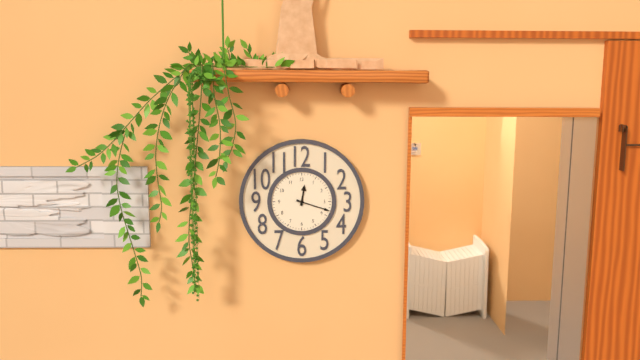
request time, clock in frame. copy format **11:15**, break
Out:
**12:18**
